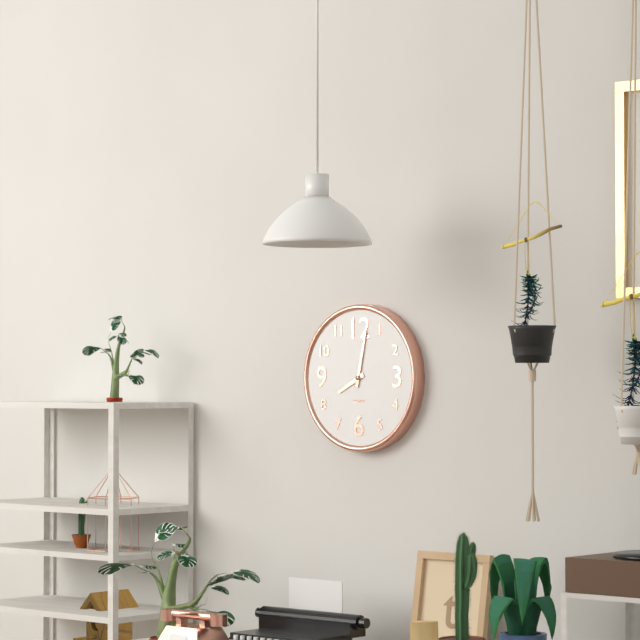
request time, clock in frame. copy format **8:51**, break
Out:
**8:02**
